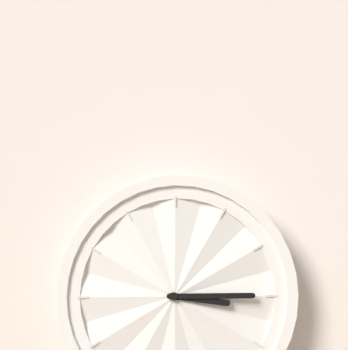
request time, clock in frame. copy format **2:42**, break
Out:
**3:15**
